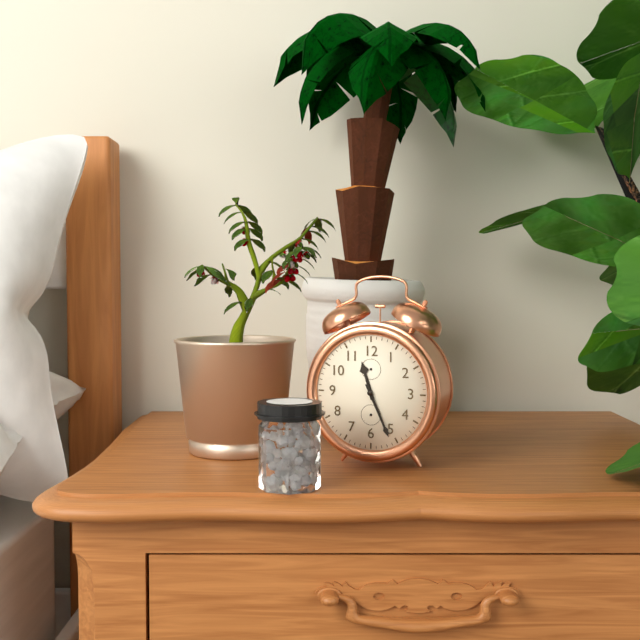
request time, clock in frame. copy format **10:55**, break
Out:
**11:26**
